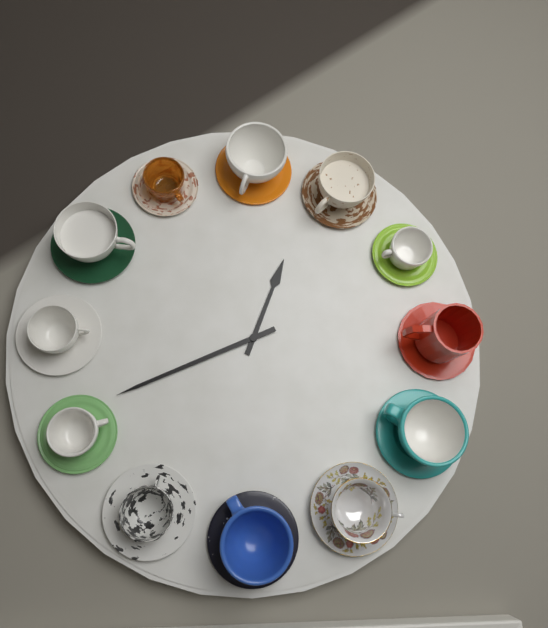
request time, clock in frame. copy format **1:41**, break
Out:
**12:41**
